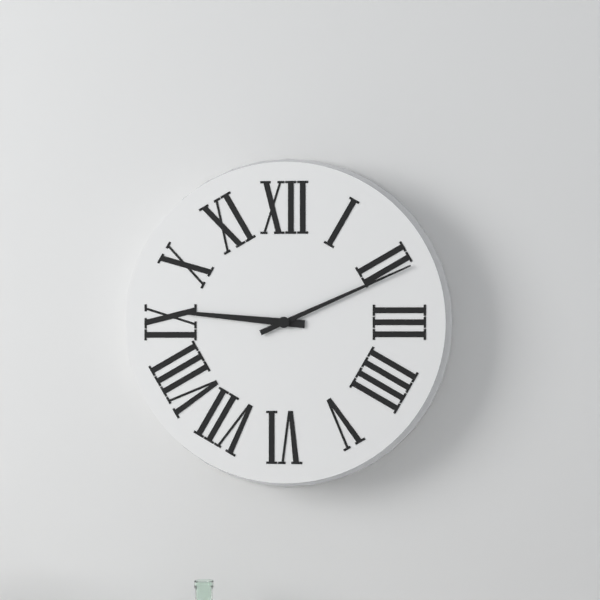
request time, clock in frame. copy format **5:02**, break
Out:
**9:11**
